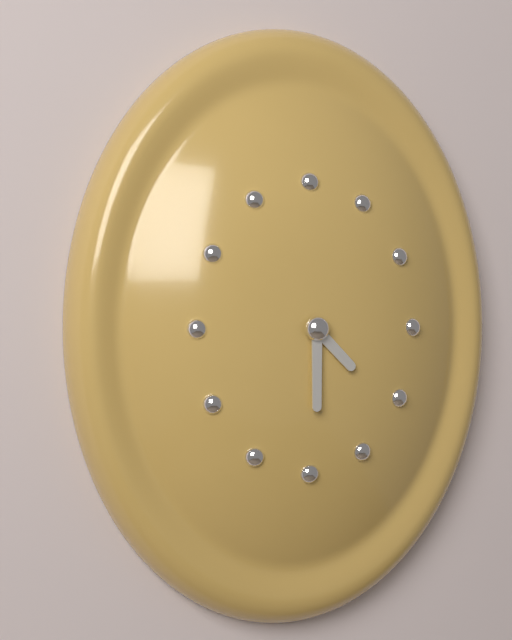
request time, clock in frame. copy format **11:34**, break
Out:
**4:30**
